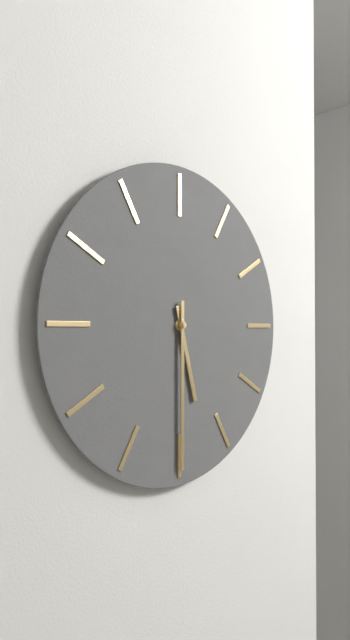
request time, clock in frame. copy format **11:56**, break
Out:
**5:30**
